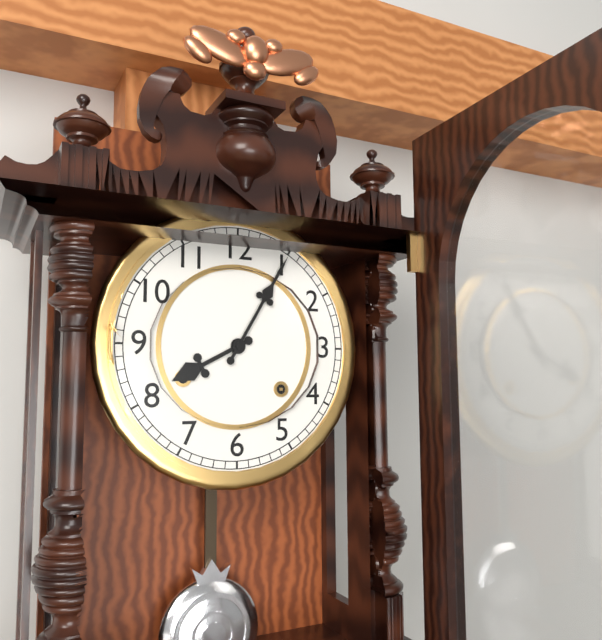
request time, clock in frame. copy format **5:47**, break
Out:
**8:05**
